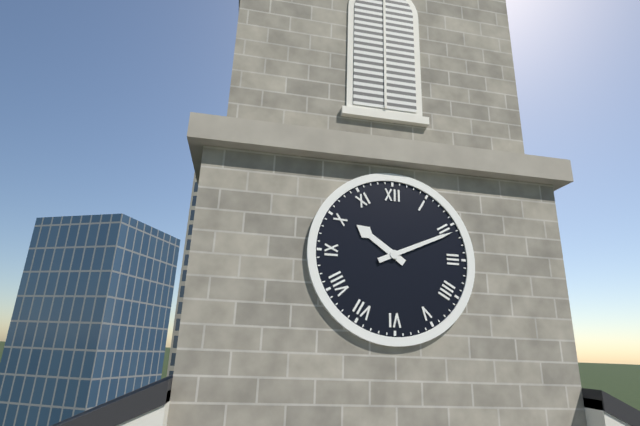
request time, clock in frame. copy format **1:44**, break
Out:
**10:11**
